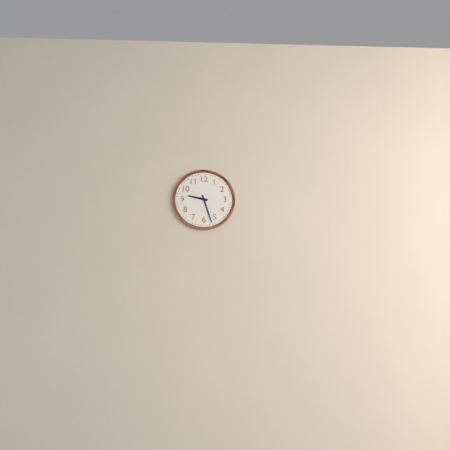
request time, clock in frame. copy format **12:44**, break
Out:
**9:27**
